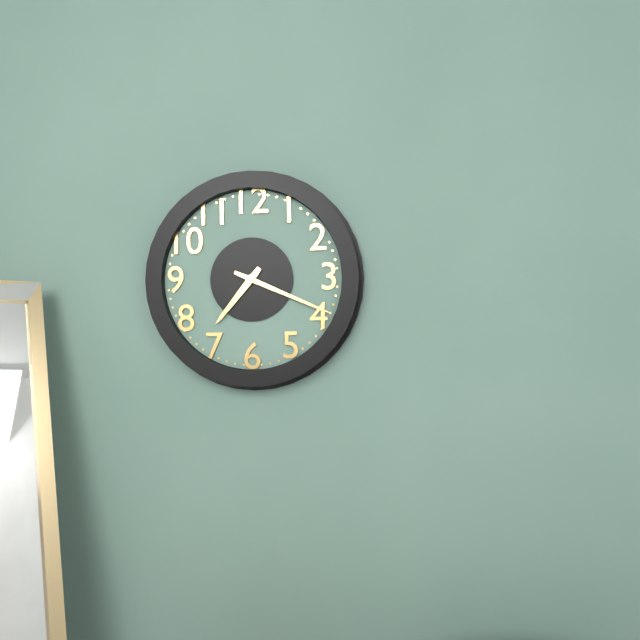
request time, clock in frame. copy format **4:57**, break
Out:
**7:19**
